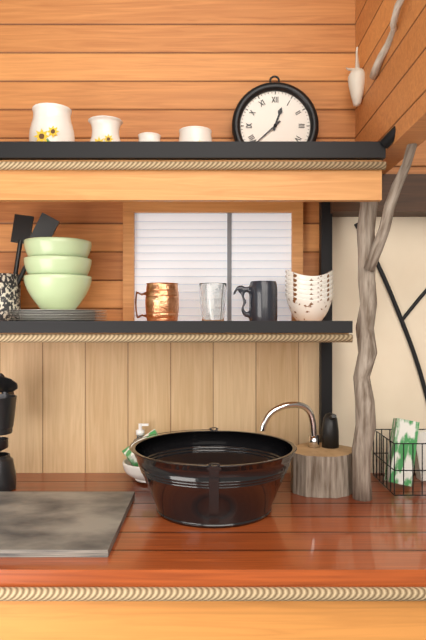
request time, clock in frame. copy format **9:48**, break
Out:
**12:38**
